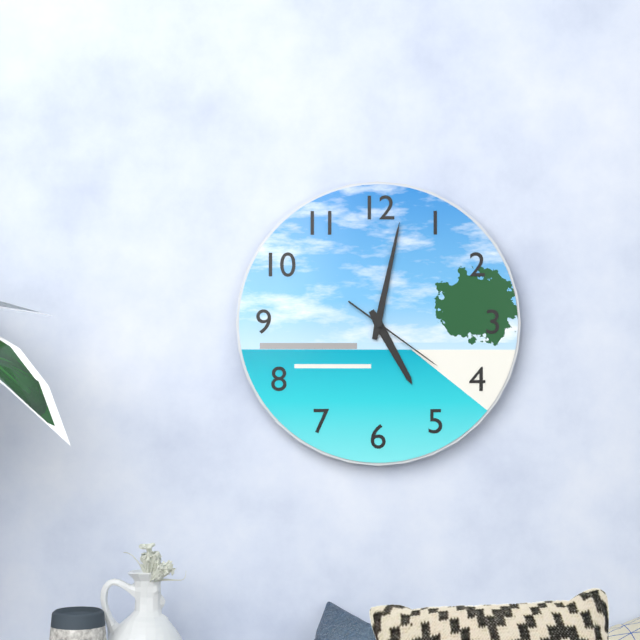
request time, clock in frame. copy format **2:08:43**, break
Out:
**5:02:21**
